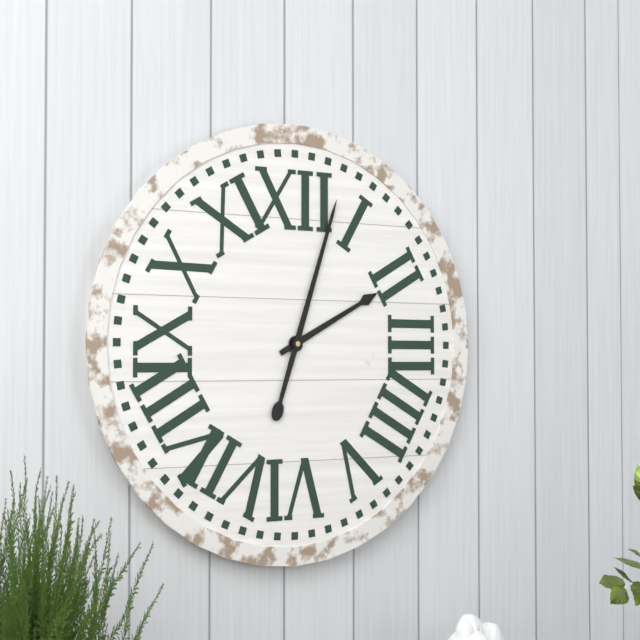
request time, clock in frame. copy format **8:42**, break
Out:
**2:03**
